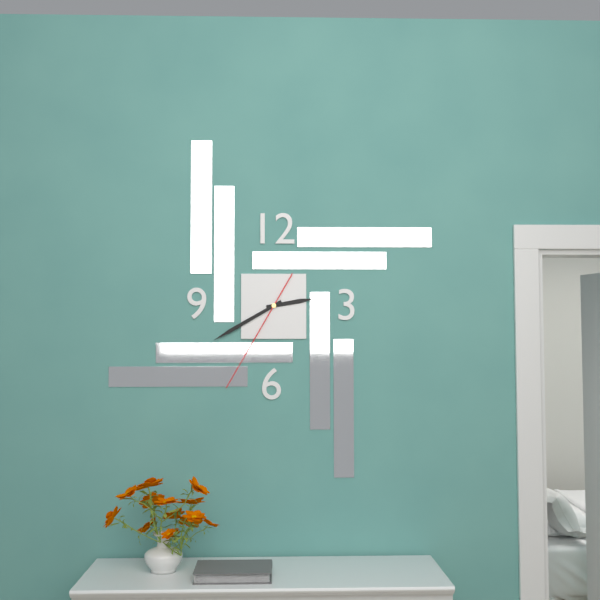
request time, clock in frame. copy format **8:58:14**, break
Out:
**2:40:35**
